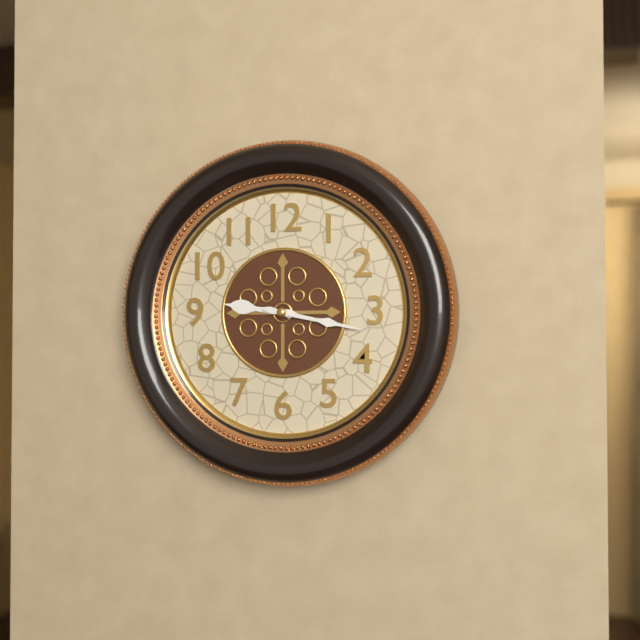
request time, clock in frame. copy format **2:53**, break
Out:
**9:17**
